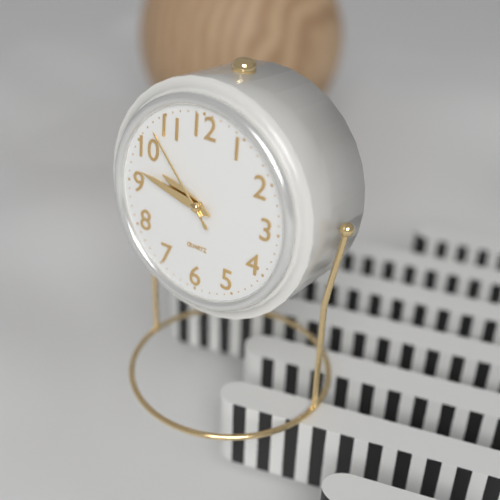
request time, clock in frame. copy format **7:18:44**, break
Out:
**9:47:53**
